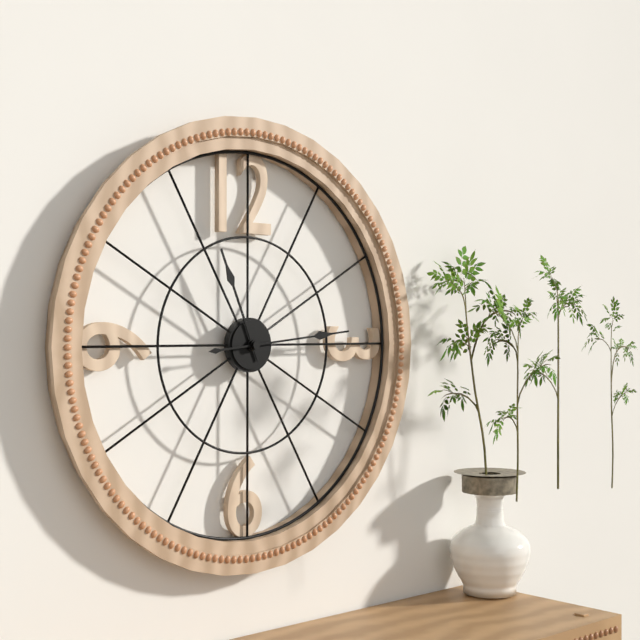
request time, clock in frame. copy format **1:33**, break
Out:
**11:14**
